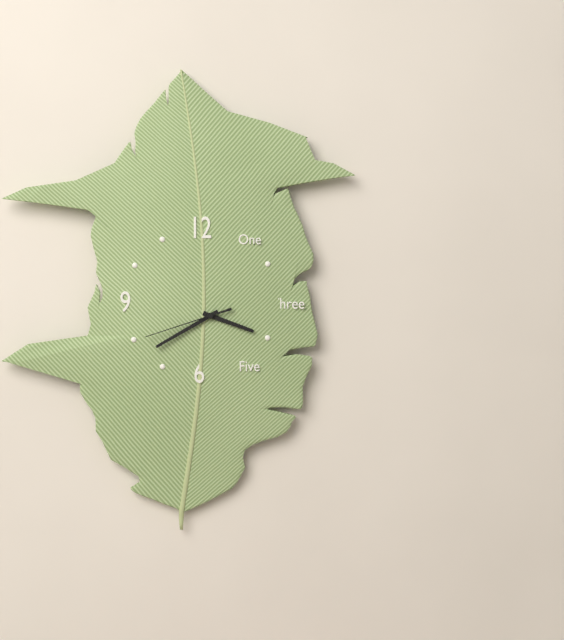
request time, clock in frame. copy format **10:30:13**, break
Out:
**3:40:42**
